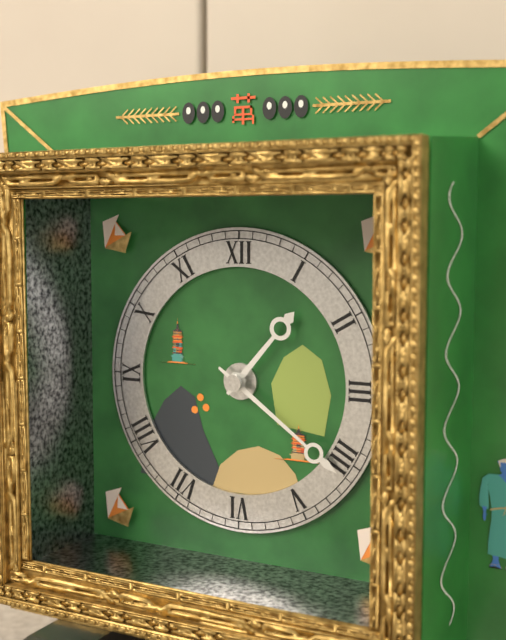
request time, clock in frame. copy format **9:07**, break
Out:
**1:21**
